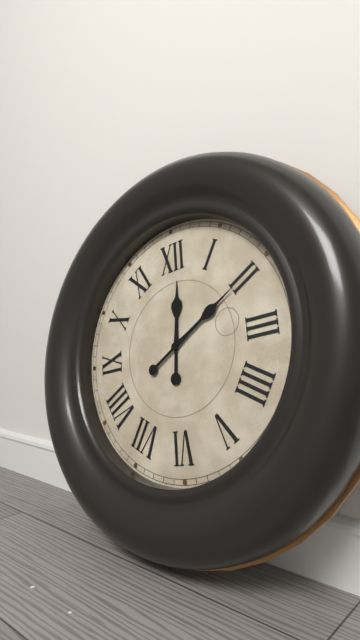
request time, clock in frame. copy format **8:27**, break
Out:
**12:10**
